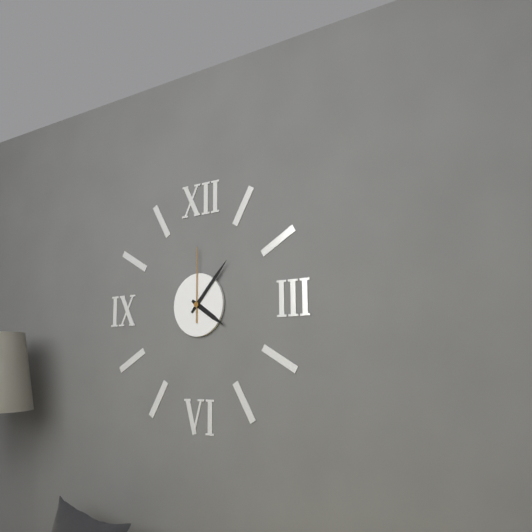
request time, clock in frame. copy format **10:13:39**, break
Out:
**4:07:00**
